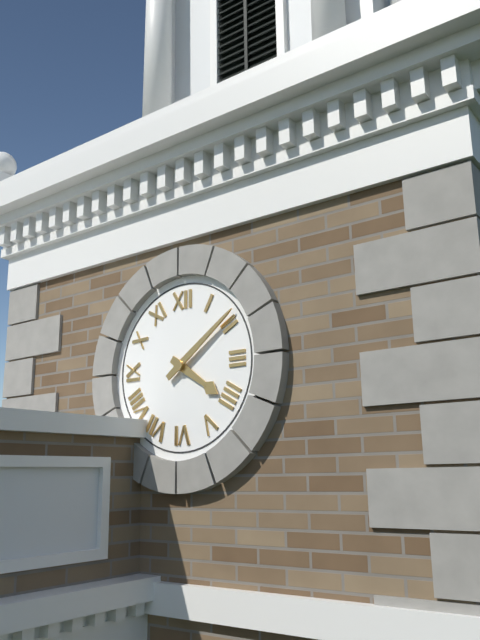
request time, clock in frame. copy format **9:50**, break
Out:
**4:09**
